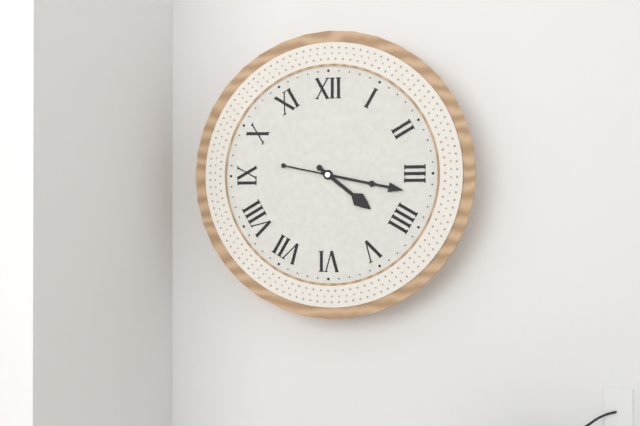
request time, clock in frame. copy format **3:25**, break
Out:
**4:17**
